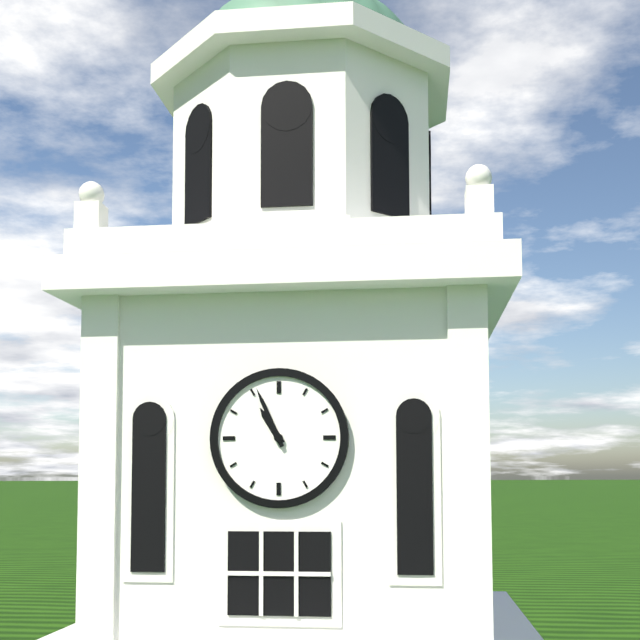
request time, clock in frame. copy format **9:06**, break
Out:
**10:56**
